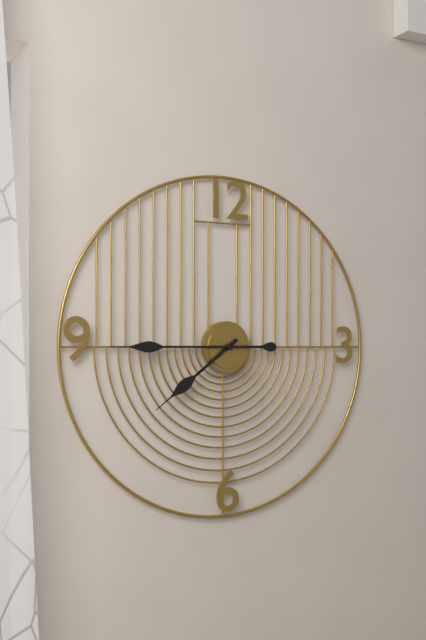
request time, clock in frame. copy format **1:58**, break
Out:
**7:45**
